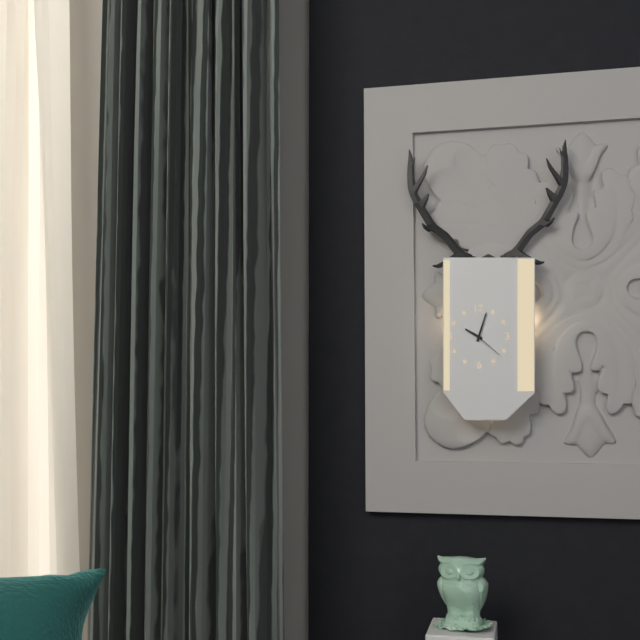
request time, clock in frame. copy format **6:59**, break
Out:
**10:03**
